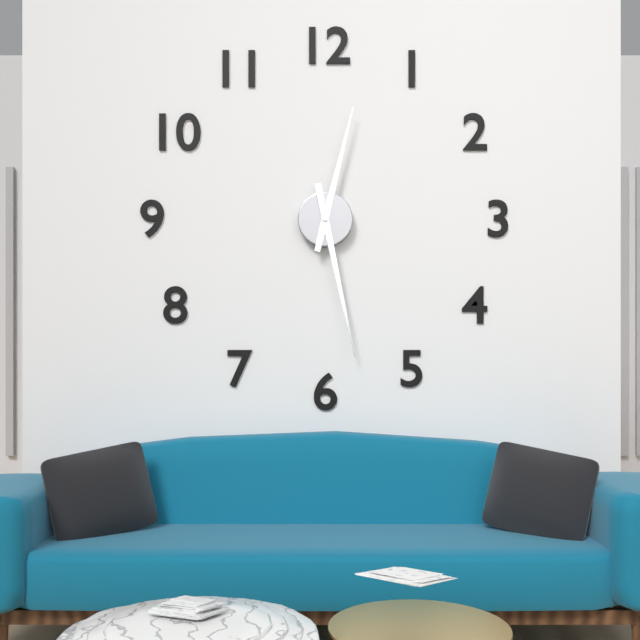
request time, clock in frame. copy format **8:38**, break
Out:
**12:28**
